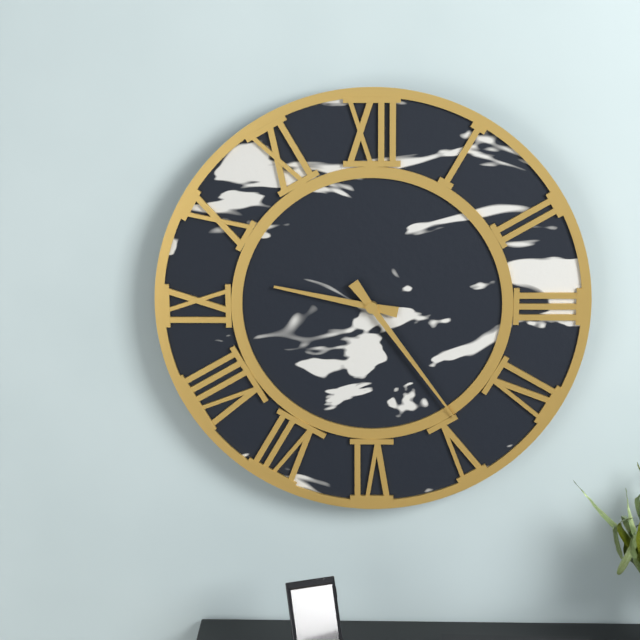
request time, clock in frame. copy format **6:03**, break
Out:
**9:24**
